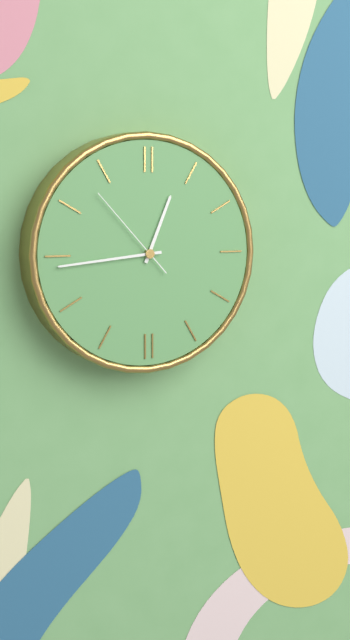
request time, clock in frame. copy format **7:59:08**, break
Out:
**12:44:53**
